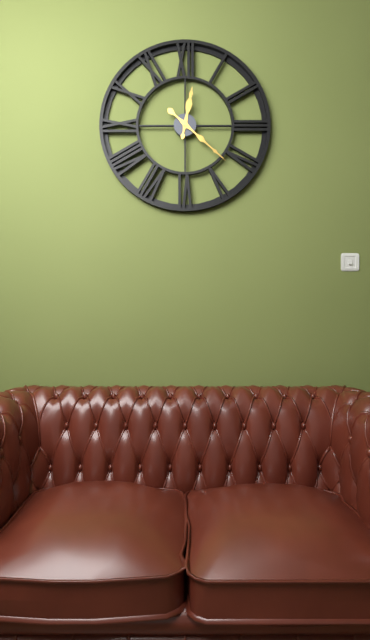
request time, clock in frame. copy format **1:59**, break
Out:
**12:22**
